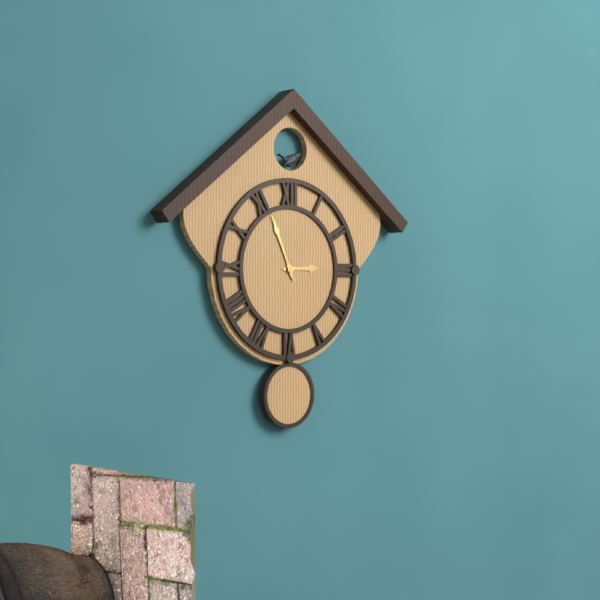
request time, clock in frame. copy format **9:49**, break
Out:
**2:56**
